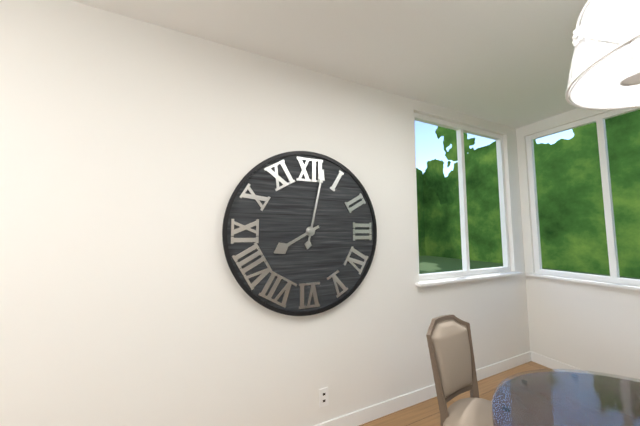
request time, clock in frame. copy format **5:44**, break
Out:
**8:02**
